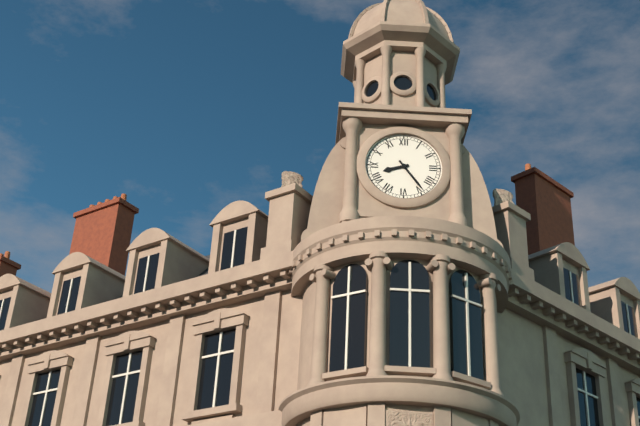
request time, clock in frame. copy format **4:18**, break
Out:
**8:24**
